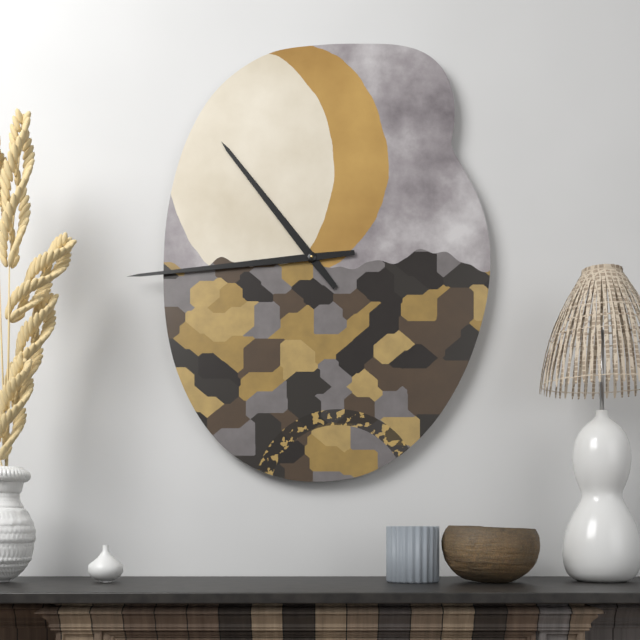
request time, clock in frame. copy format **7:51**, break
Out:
**10:44**
